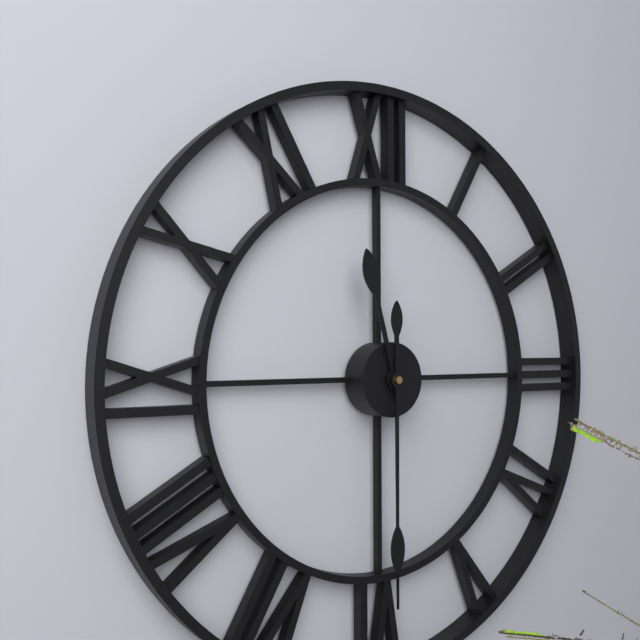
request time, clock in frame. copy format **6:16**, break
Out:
**11:30**
